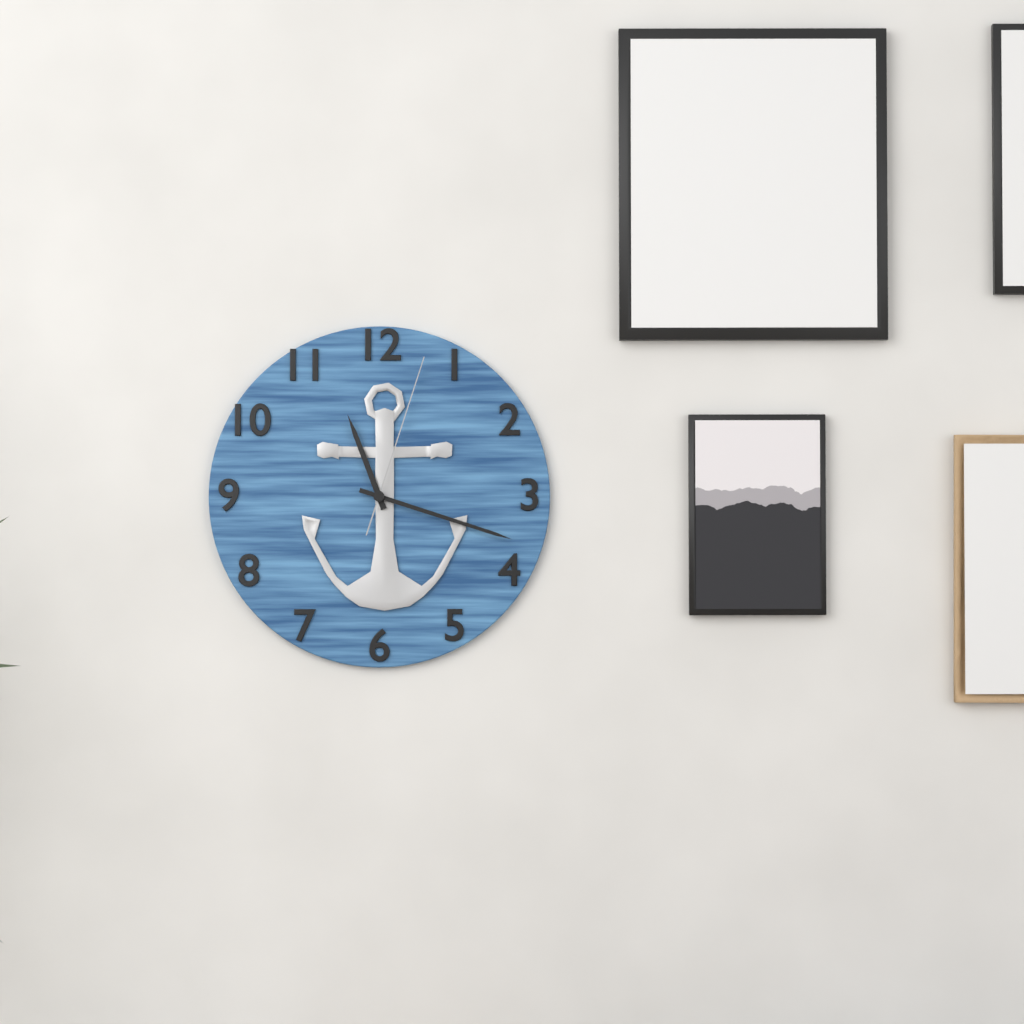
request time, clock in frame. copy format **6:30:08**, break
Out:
**11:18:03**
